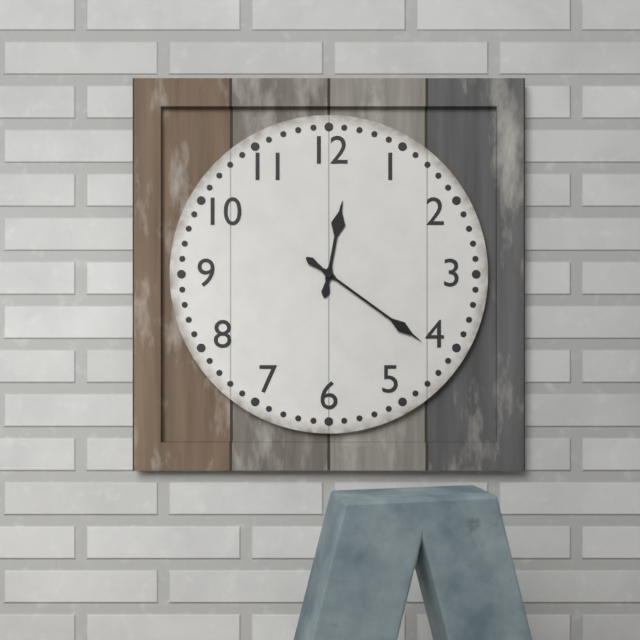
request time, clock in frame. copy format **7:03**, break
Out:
**12:21**
